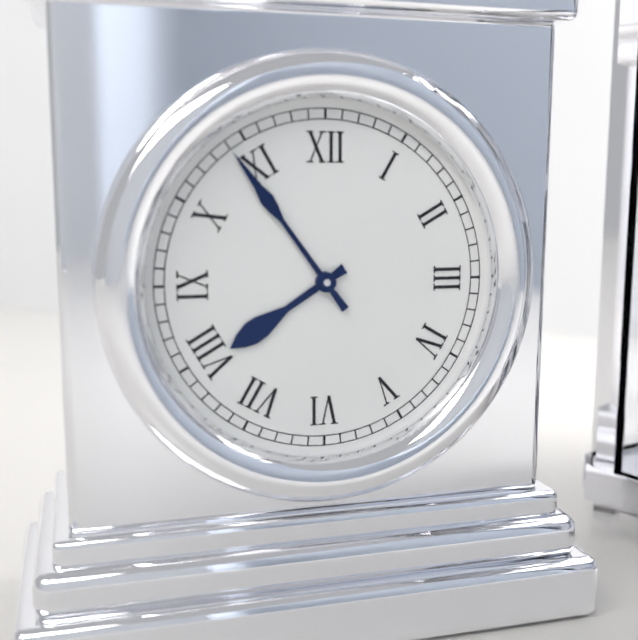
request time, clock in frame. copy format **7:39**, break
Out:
**7:54**
